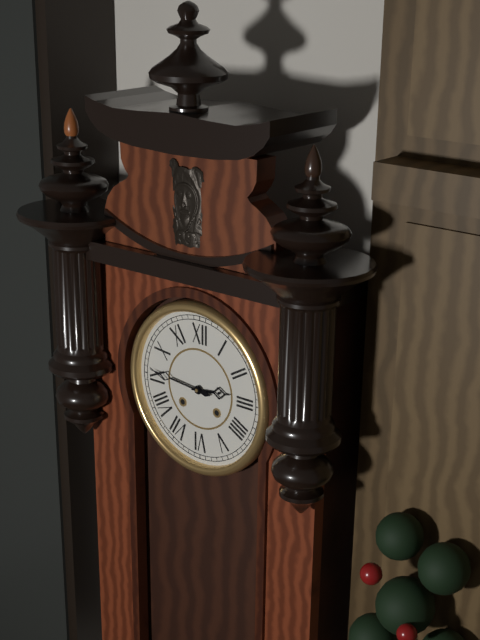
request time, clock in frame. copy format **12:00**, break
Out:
**2:46**
